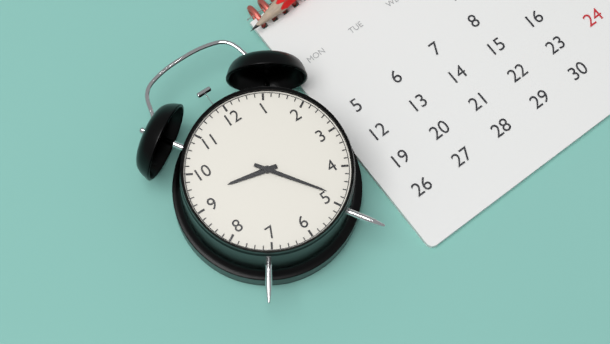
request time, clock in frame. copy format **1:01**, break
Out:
**9:24**
